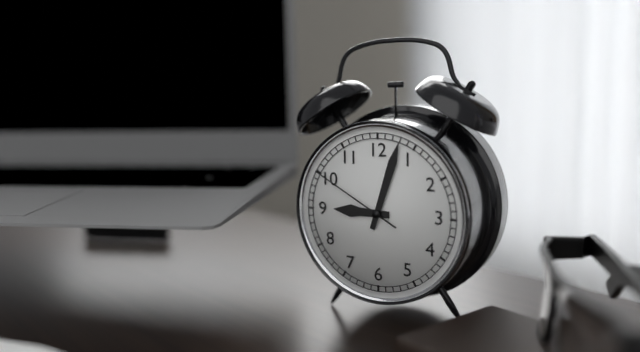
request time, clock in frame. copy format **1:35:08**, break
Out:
**9:03:50**
